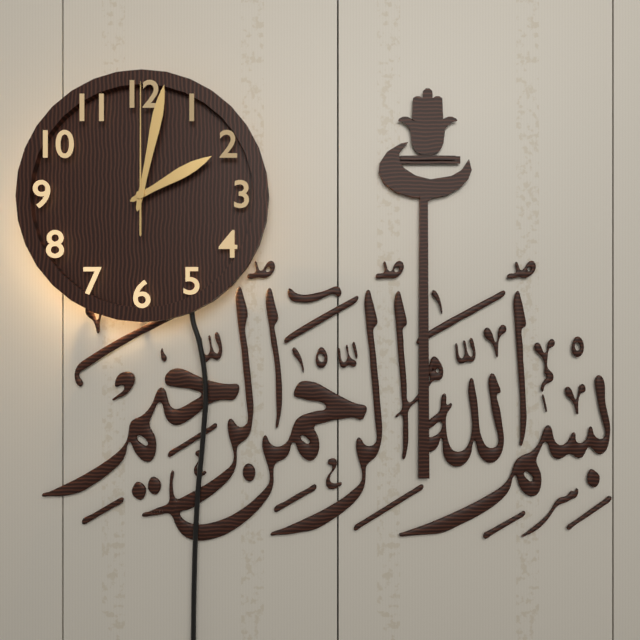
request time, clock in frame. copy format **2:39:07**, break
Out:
**2:02:00**
